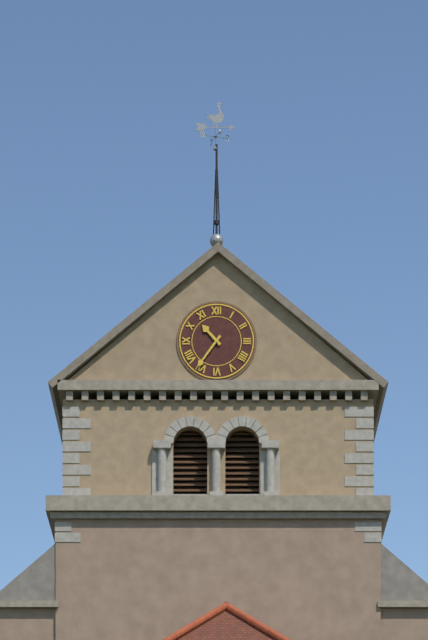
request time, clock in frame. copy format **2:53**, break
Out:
**10:36**
